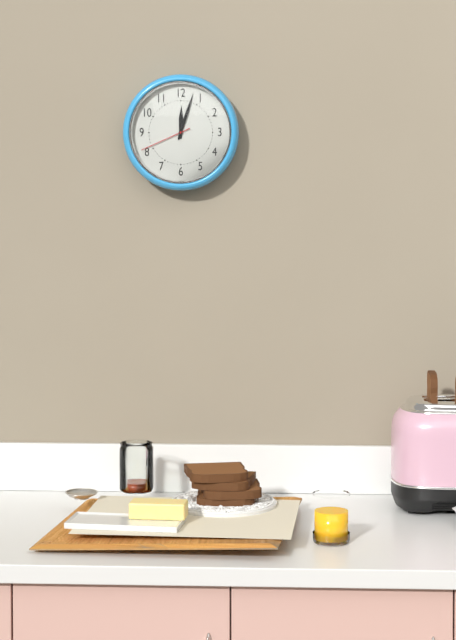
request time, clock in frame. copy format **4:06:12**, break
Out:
**12:03:41**
